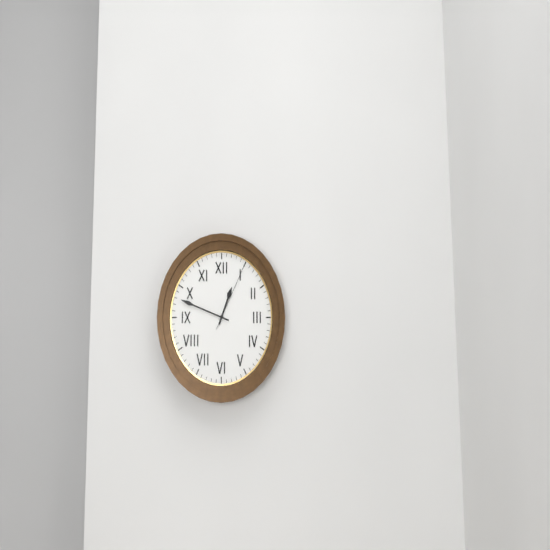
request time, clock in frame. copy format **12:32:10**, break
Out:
**12:48:05**
